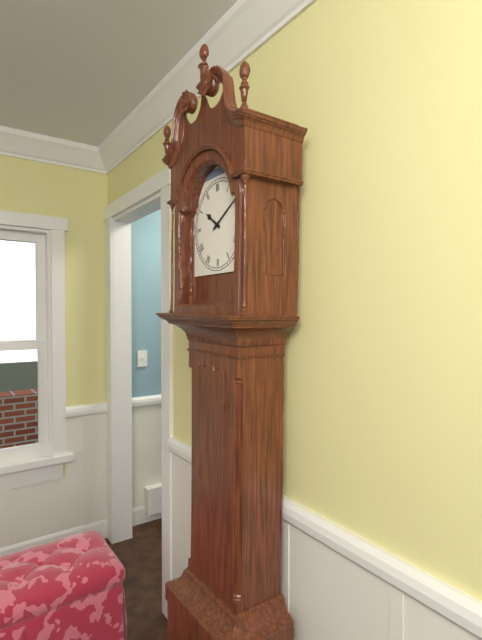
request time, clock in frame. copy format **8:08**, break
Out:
**10:10**
